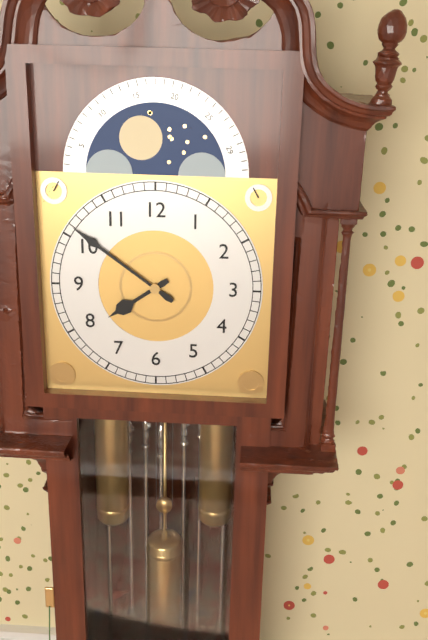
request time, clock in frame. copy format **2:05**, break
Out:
**7:51**
